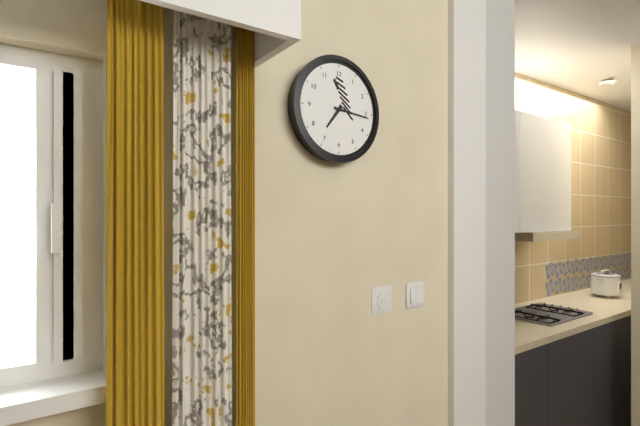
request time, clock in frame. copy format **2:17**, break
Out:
**7:16**
